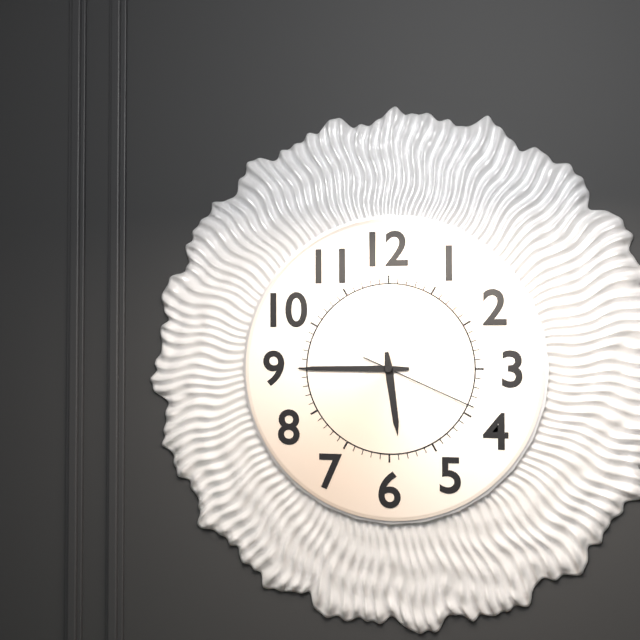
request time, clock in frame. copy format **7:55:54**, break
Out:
**5:45:19**
